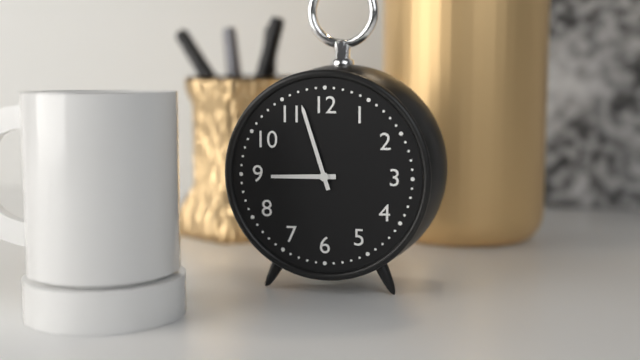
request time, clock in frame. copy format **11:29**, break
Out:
**8:57**
